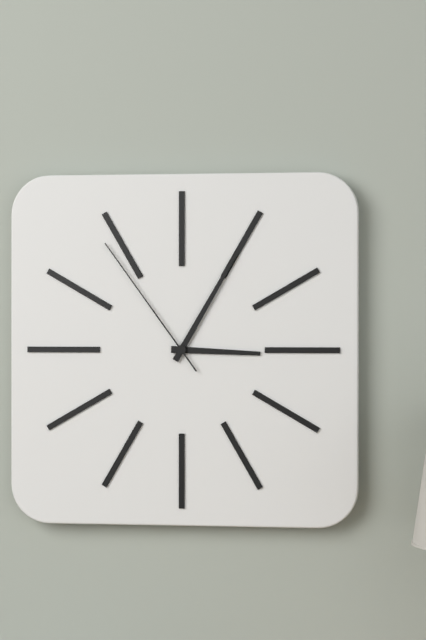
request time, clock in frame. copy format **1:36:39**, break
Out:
**3:05:54**
